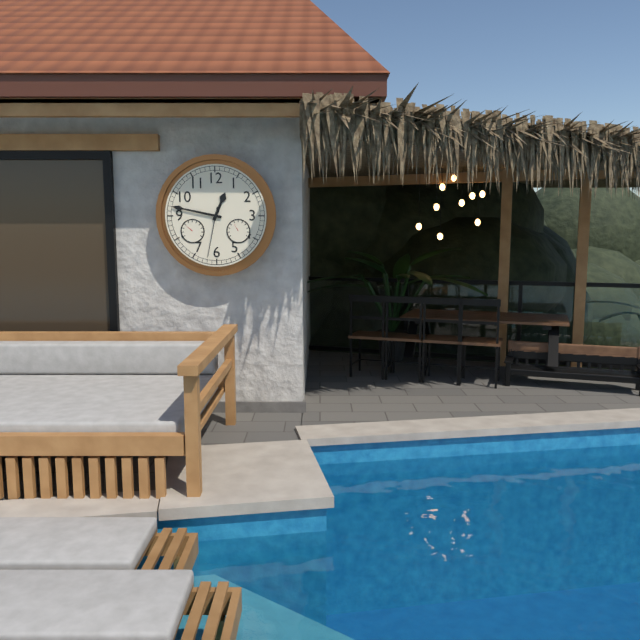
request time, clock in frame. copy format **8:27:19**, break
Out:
**12:47:32**
